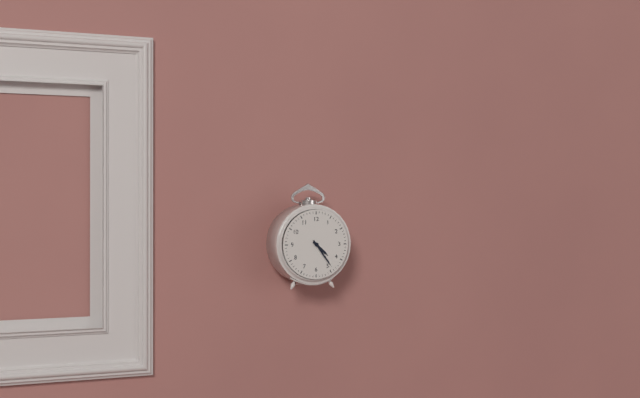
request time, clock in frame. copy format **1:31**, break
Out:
**4:24**
